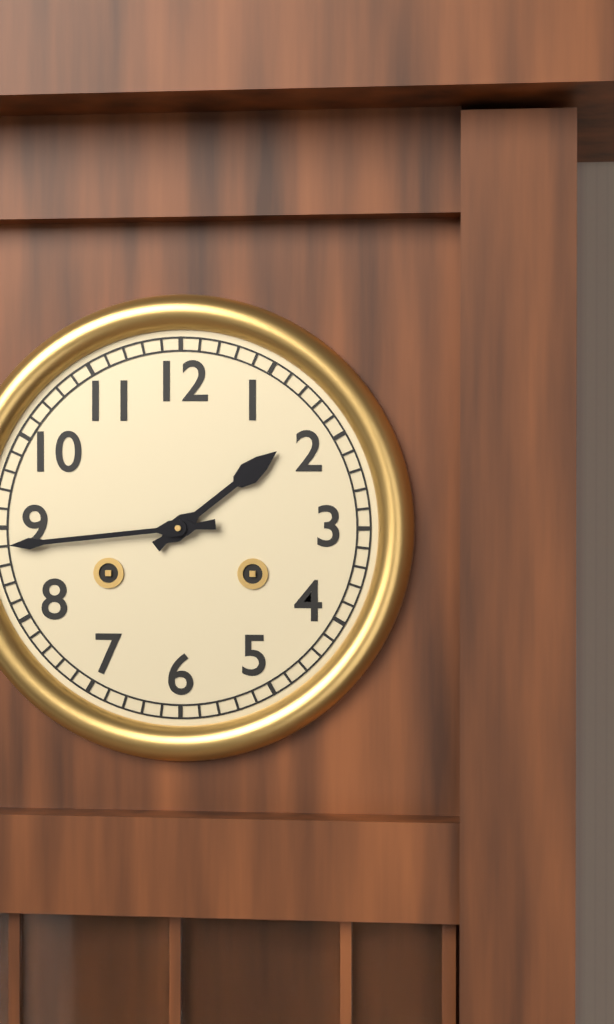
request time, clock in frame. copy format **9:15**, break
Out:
**1:44**
